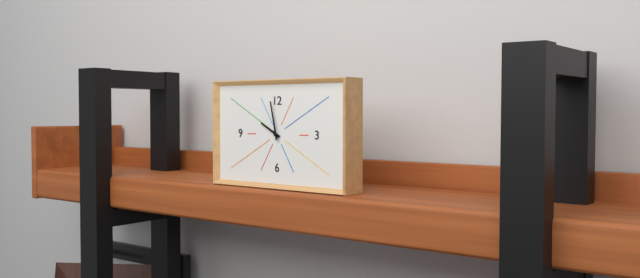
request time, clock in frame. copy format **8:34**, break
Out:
**9:58**
